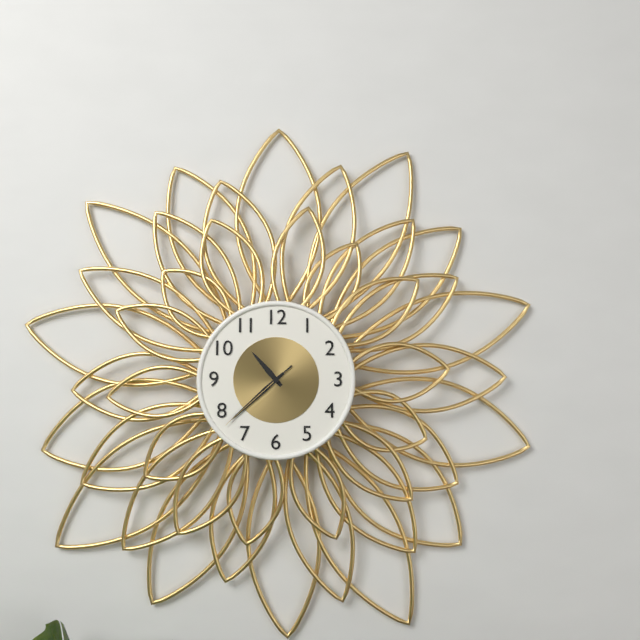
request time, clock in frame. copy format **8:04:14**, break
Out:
**10:38:38**
